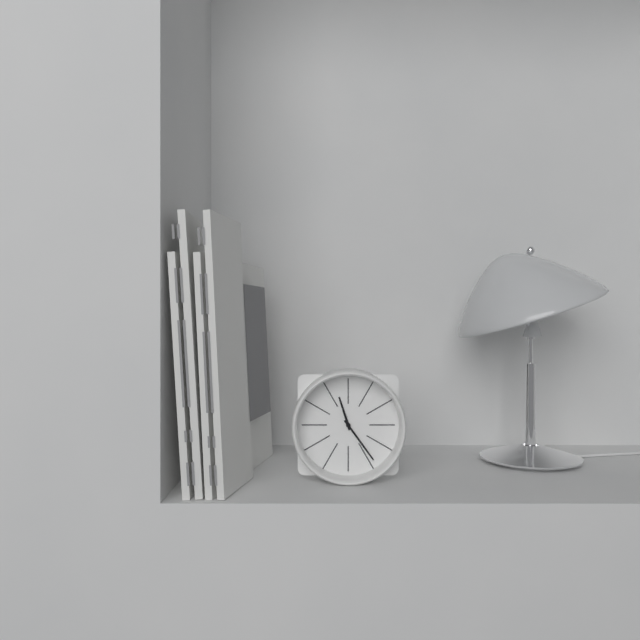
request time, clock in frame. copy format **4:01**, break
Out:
**11:24**
